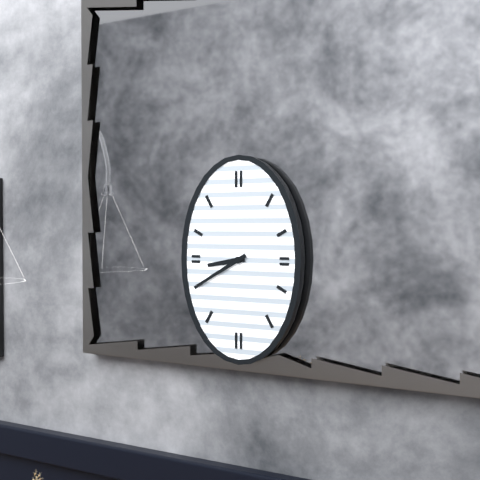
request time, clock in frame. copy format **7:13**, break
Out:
**8:40**
